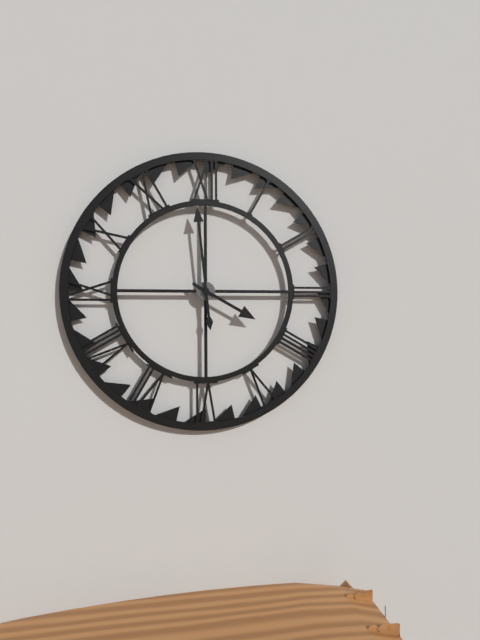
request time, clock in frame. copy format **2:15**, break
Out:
**3:59**
